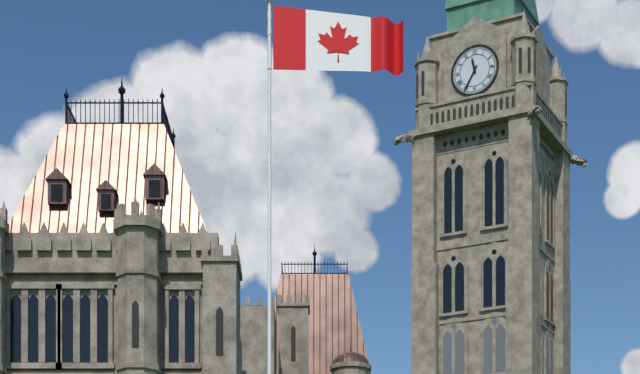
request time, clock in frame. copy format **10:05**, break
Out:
**11:35**
